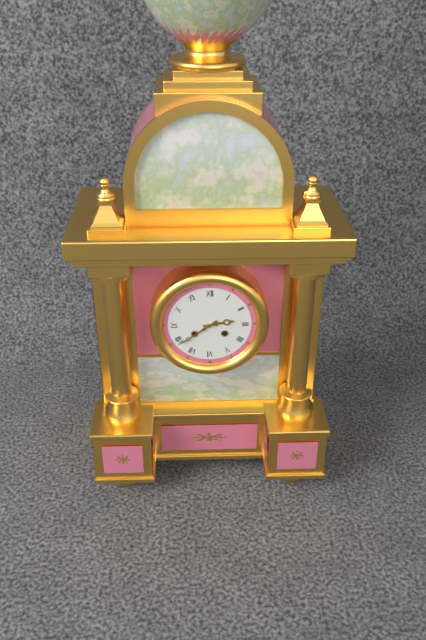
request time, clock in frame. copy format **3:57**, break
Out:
**2:39**
